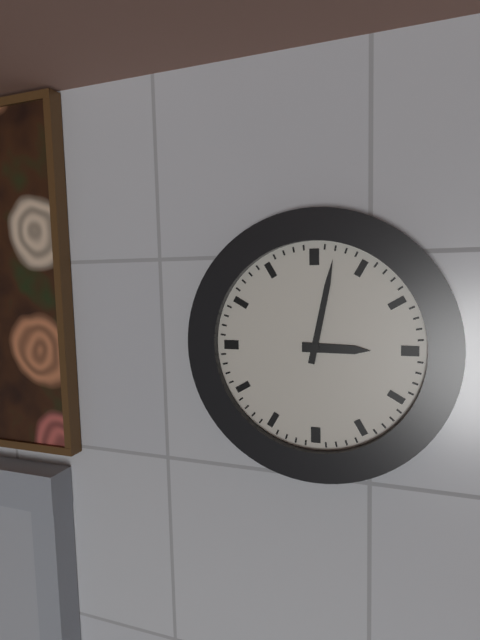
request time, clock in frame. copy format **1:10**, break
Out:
**3:02**
